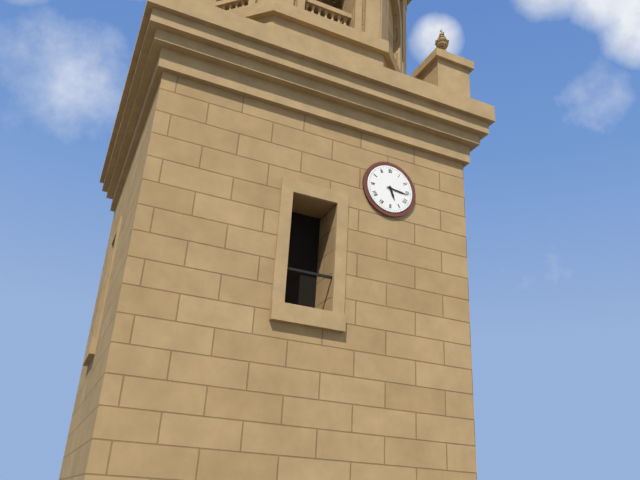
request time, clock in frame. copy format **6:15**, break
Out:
**5:16**
